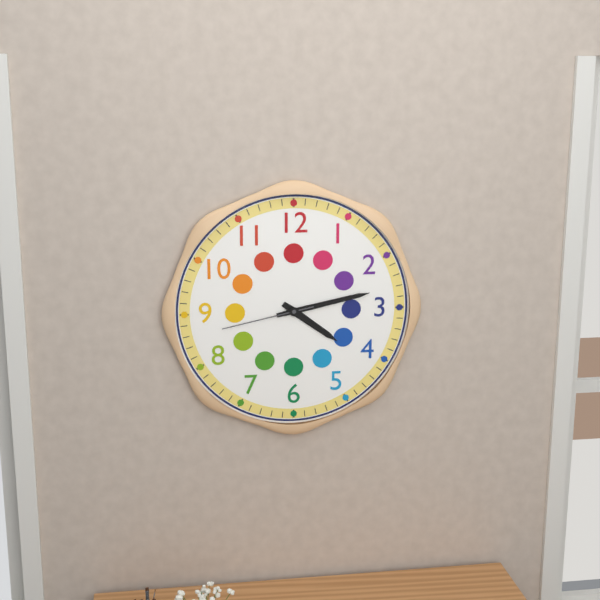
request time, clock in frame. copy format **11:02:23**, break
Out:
**4:13:43**
